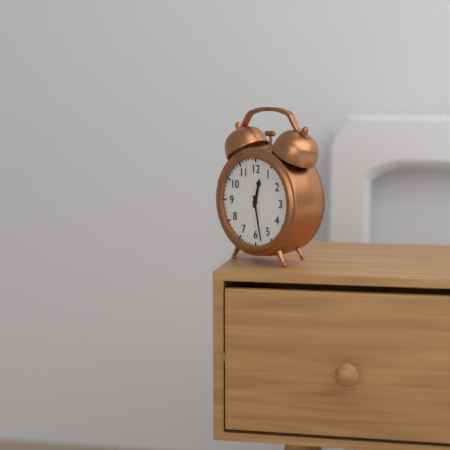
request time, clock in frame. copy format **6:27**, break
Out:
**12:28**
